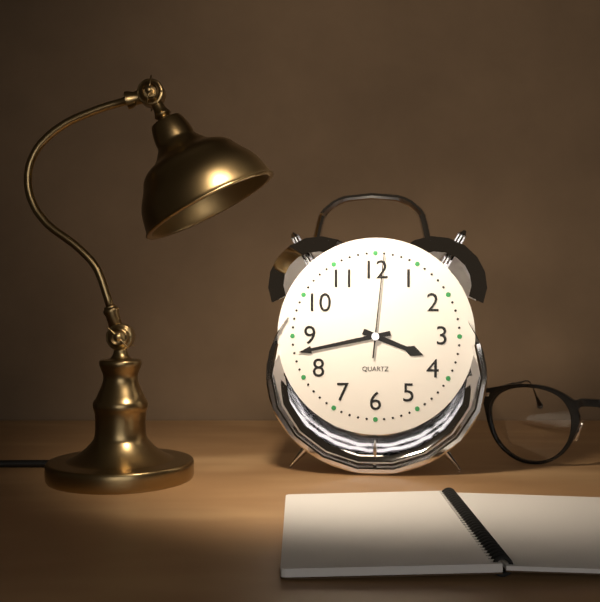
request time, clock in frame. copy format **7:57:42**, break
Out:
**3:43:01**
